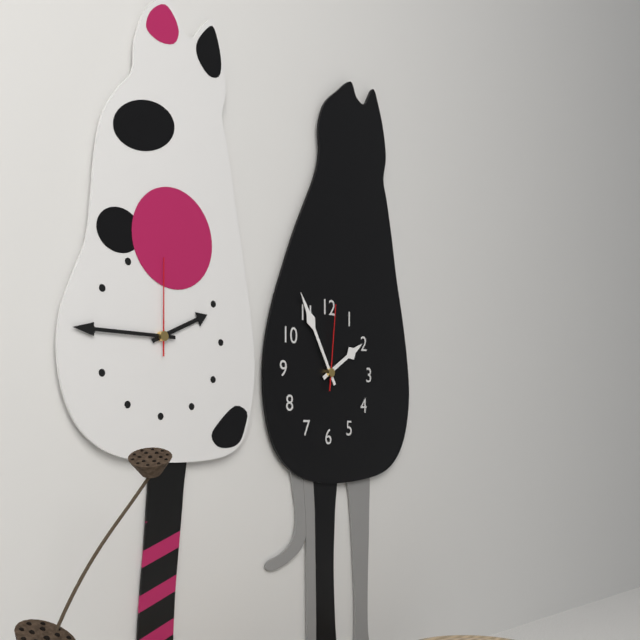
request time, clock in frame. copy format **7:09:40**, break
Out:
**1:55:01**
